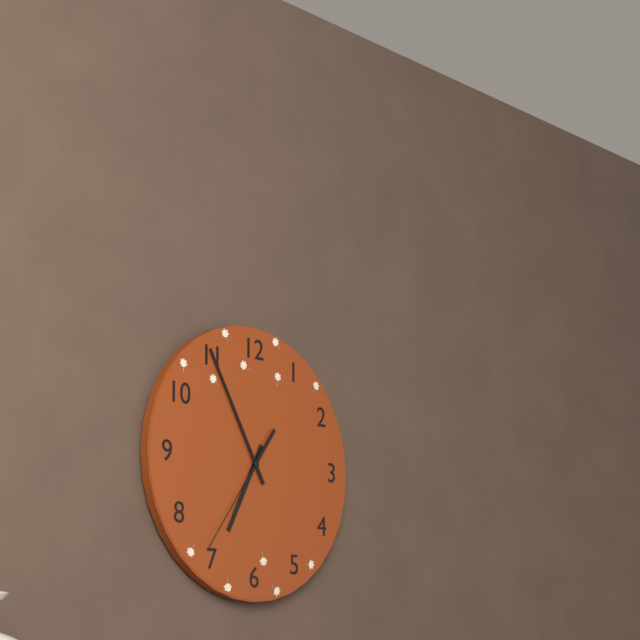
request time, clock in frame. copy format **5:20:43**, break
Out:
**6:55:36**
